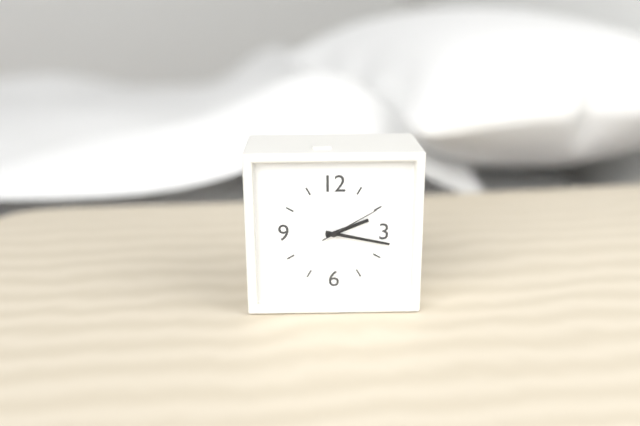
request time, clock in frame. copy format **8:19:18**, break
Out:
**2:17:10**
